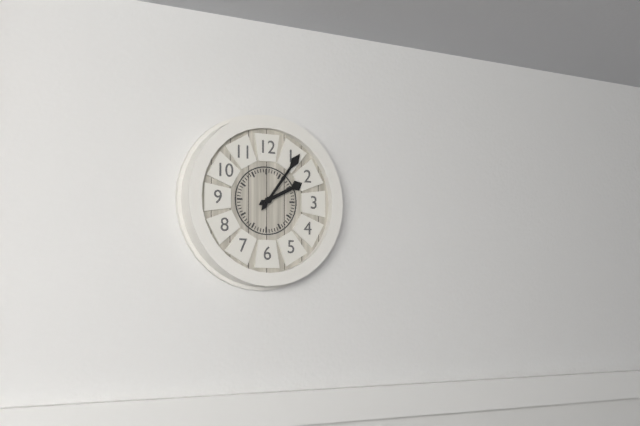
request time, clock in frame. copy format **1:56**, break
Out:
**2:06**
